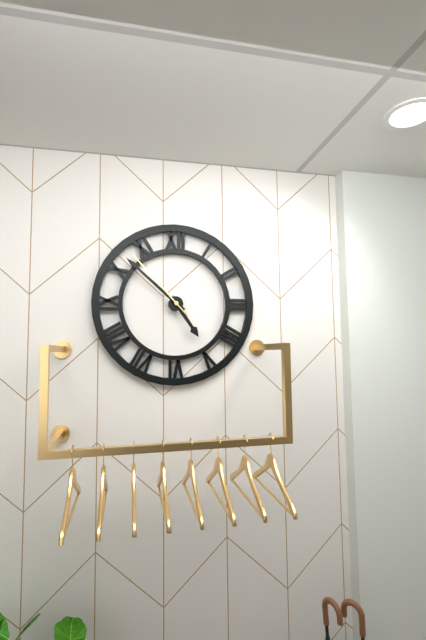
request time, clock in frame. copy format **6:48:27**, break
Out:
**4:52:53**
